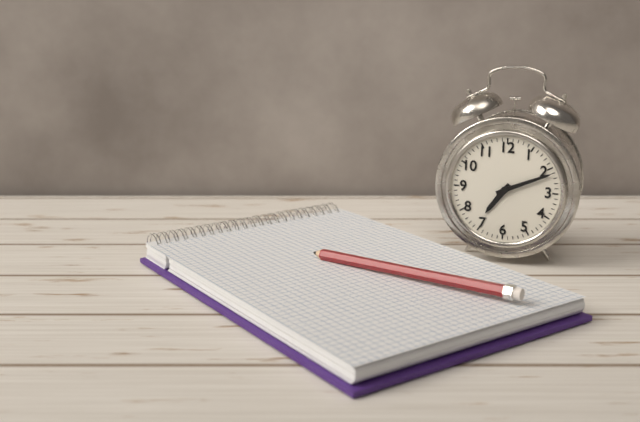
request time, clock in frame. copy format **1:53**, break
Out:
**7:11**
